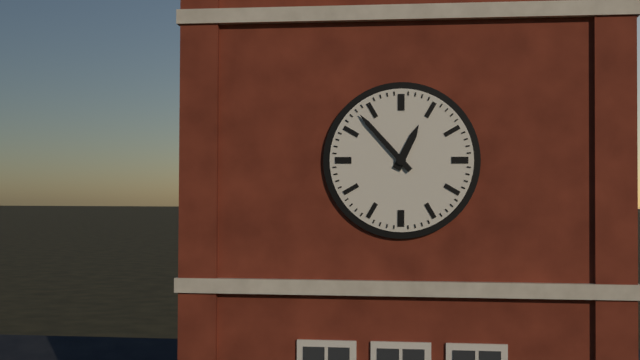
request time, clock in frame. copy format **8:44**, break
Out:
**12:53**
